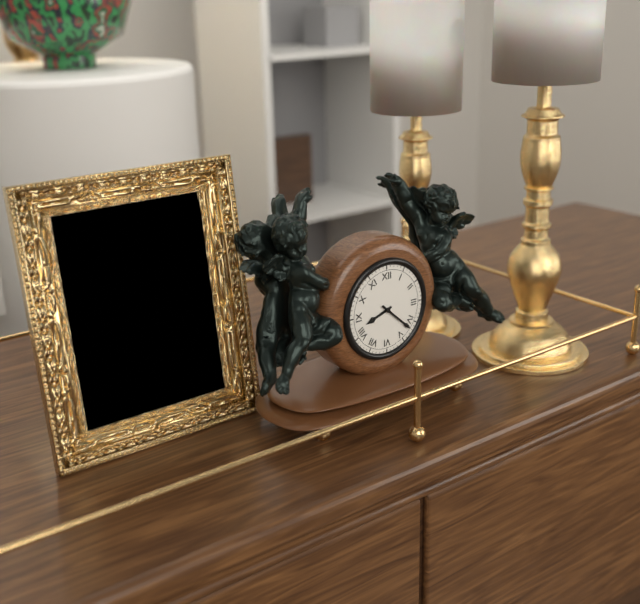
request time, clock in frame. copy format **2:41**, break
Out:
**8:22**
